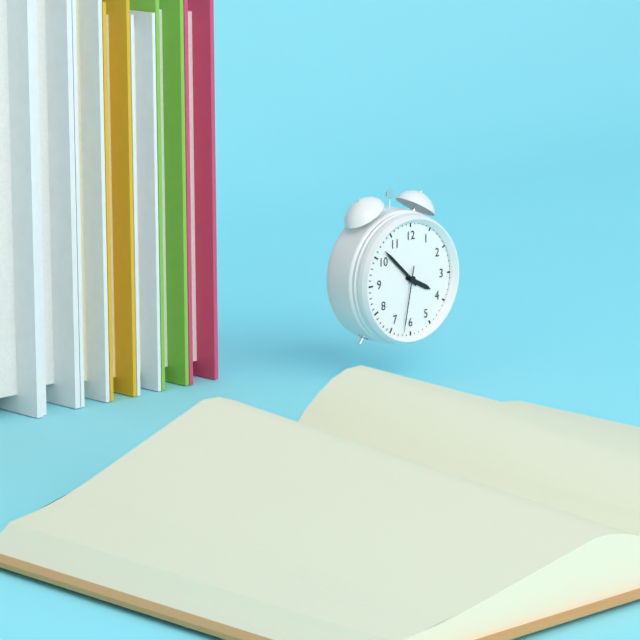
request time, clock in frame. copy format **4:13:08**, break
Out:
**3:52:32**
